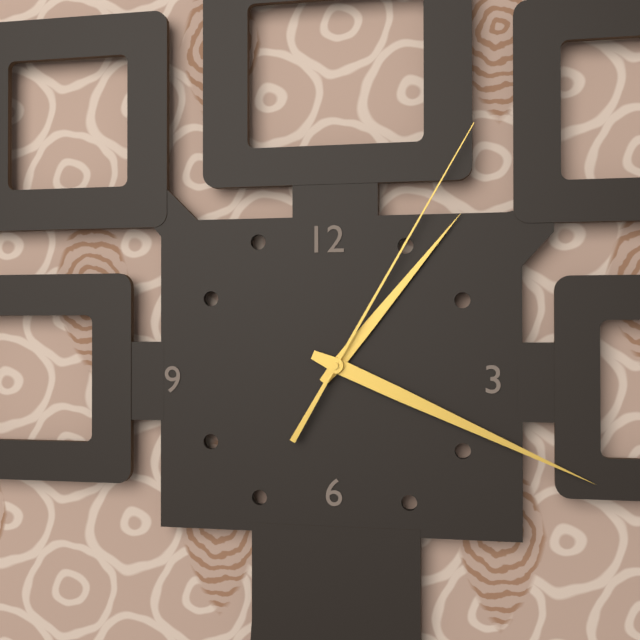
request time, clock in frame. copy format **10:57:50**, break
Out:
**1:19:05**
